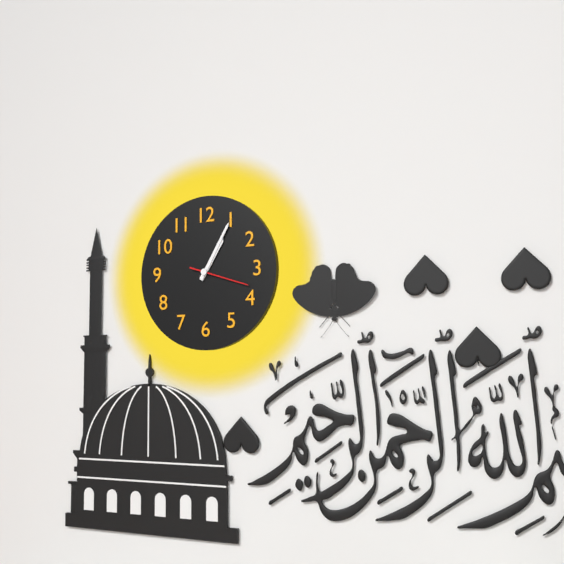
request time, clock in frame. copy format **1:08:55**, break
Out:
**1:05:18**
